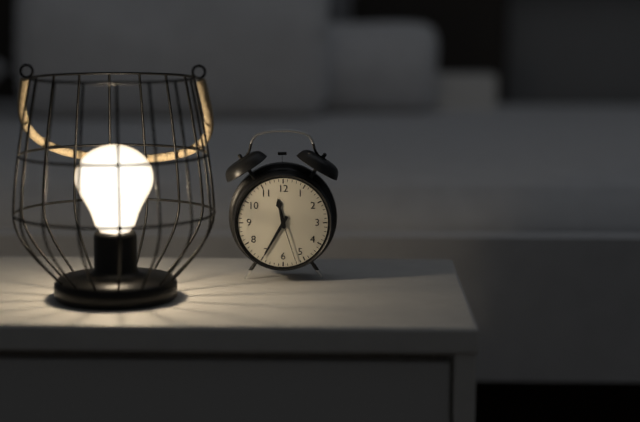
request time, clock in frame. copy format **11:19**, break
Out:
**11:35**
